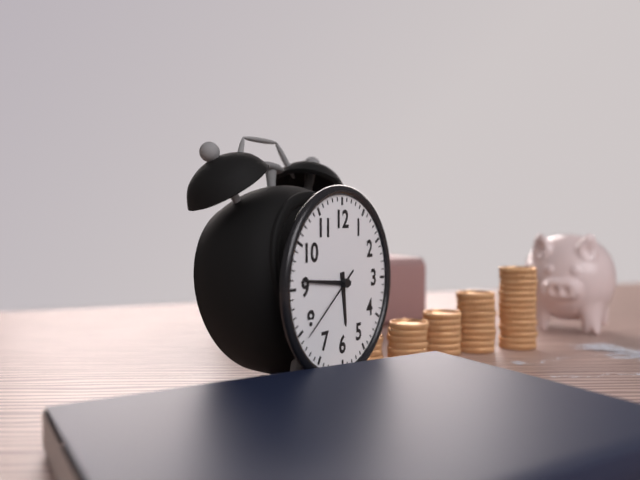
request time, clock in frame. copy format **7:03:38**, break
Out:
**5:46:39**
